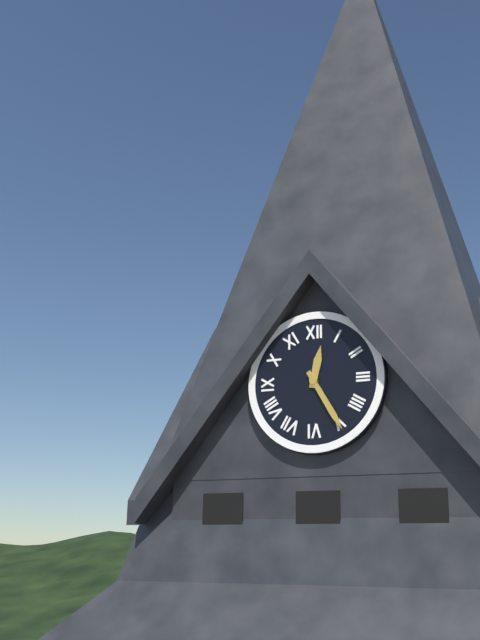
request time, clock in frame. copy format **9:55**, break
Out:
**12:25**
